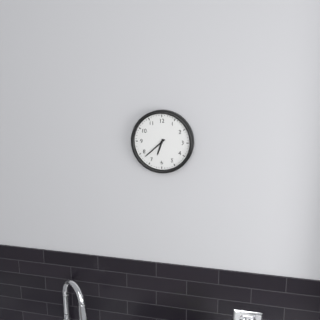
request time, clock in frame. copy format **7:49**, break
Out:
**6:38**
